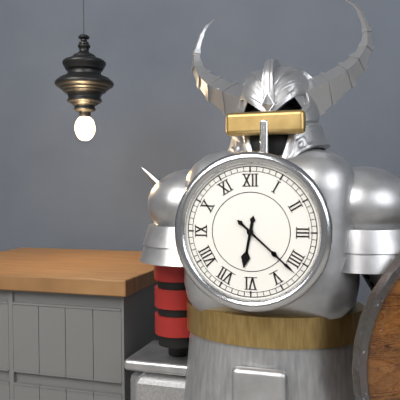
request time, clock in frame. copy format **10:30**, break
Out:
**6:22**
